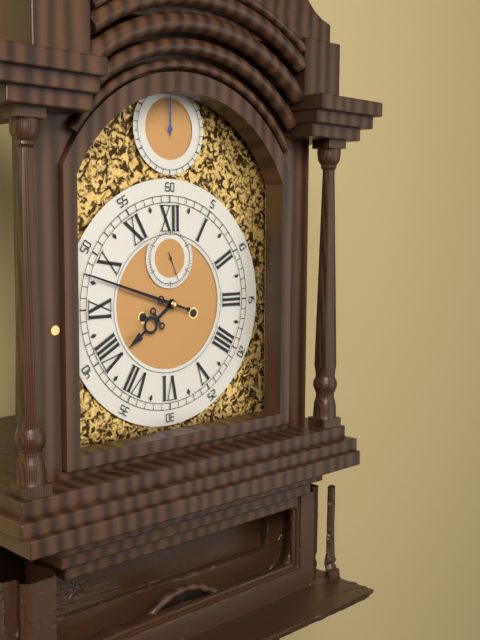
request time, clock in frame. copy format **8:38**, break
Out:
**7:48**
